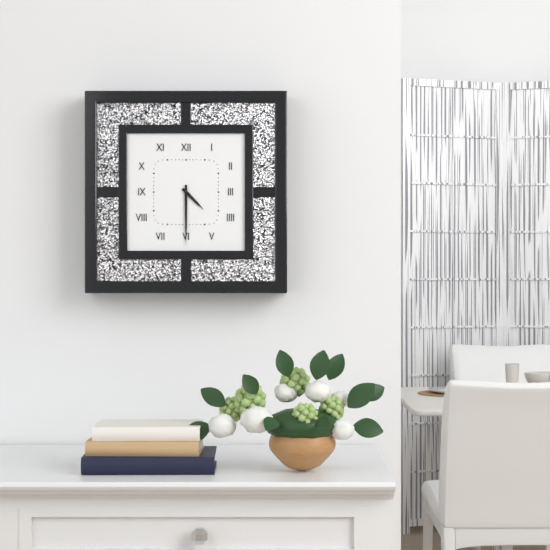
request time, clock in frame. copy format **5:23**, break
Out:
**4:30**
